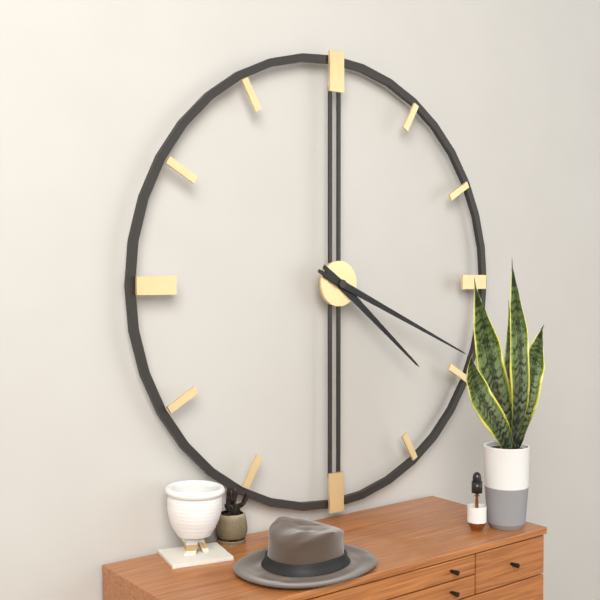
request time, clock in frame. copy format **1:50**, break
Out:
**4:19**
